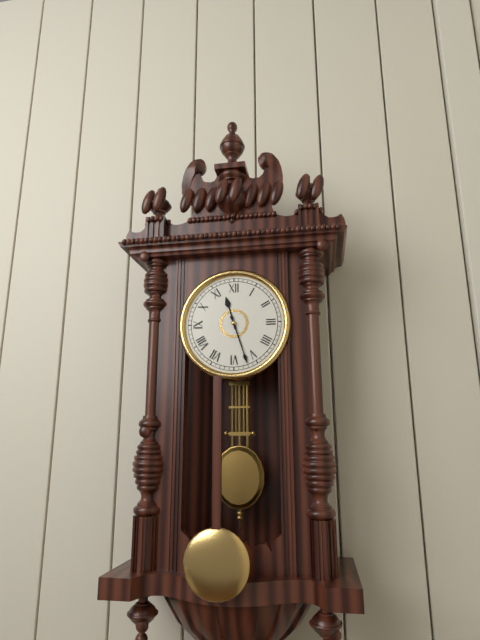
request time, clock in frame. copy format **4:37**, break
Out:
**11:27**
